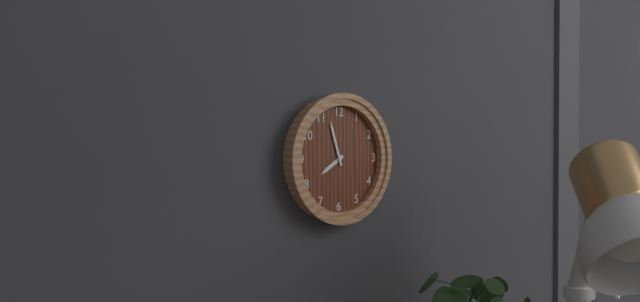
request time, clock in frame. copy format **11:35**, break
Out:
**7:57**
